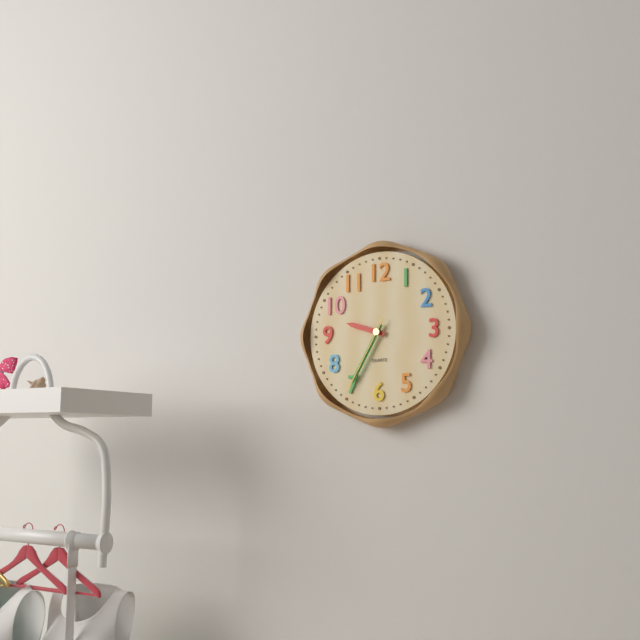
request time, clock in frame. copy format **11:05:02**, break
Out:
**9:35:35**
